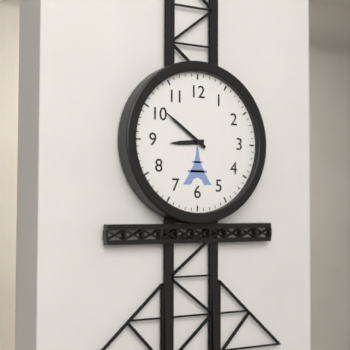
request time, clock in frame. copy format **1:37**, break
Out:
**8:51**
